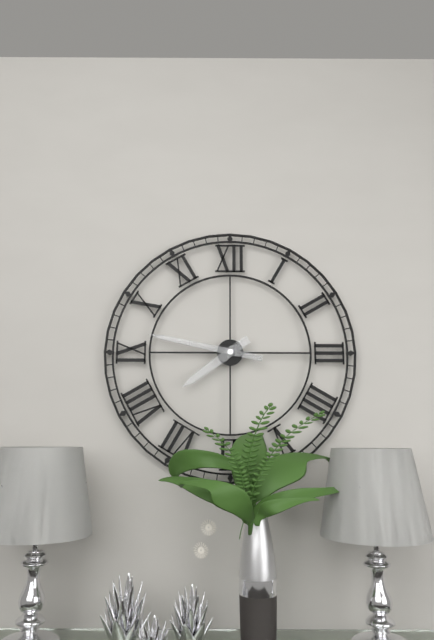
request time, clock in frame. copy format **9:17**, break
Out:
**7:47**
